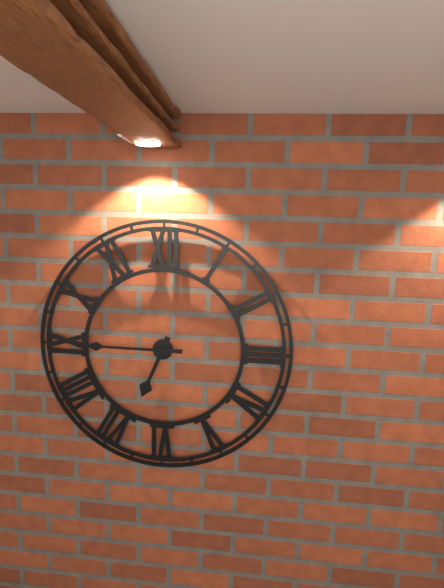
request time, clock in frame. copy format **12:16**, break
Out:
**6:45**
